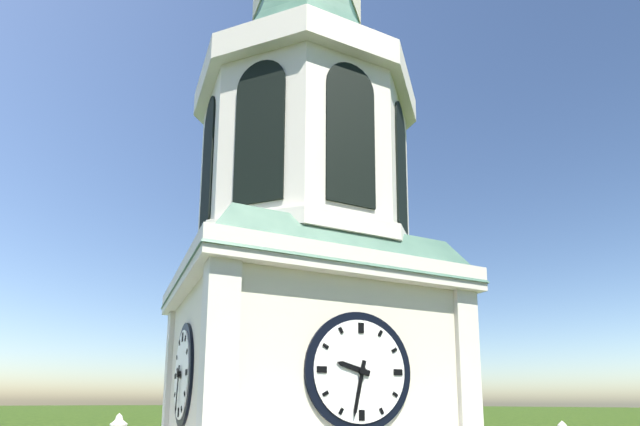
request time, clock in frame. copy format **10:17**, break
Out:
**9:32**
